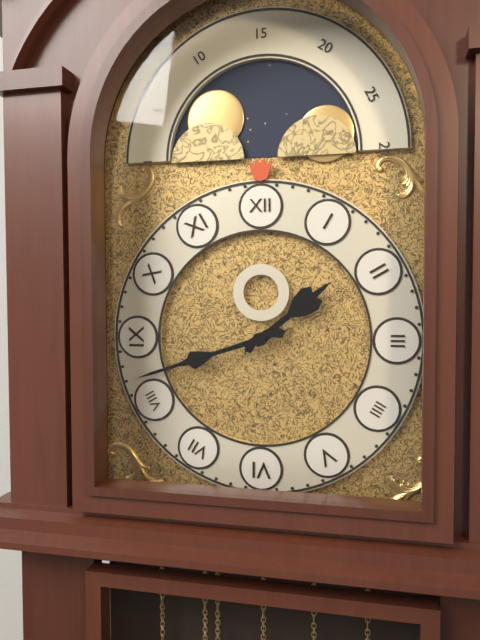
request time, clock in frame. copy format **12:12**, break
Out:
**1:42**
